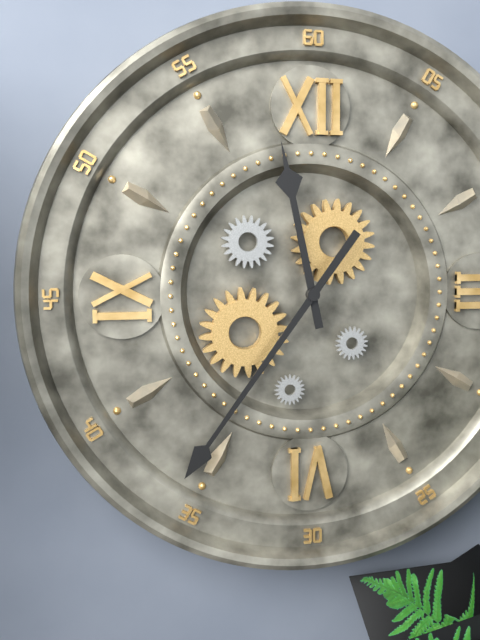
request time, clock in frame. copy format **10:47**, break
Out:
**11:36**
